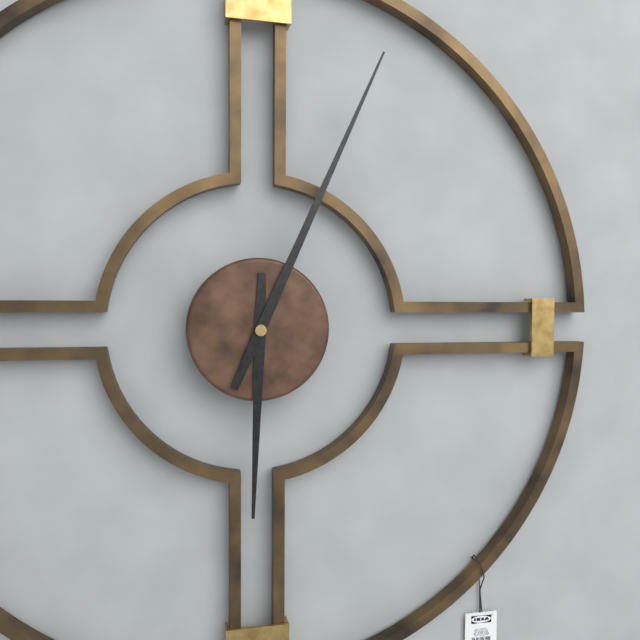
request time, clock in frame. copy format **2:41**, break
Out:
**6:04**
